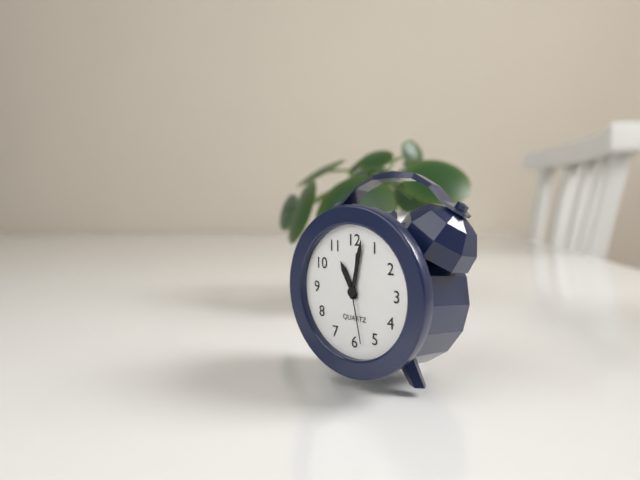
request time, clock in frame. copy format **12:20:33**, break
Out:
**11:02:28**
